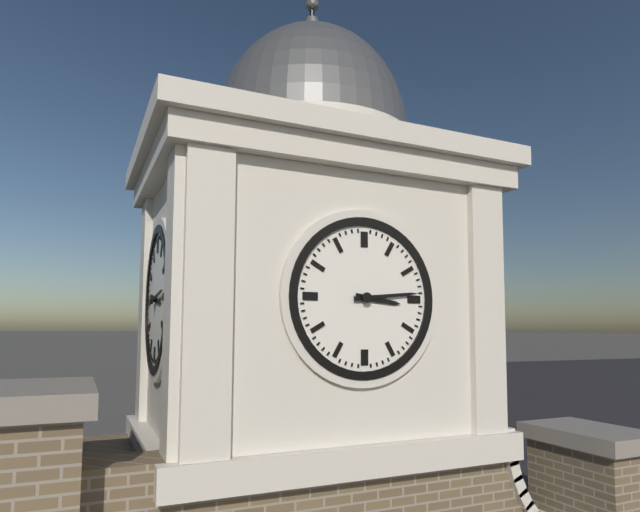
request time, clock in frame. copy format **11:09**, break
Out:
**3:14**
